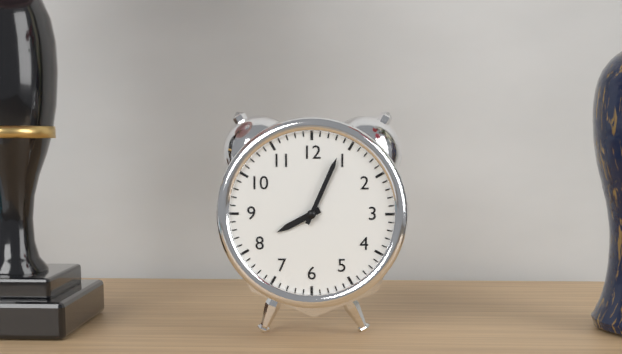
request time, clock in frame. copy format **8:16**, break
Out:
**8:04**
